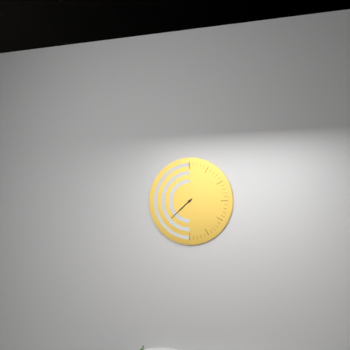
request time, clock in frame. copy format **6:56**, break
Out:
**7:38**
